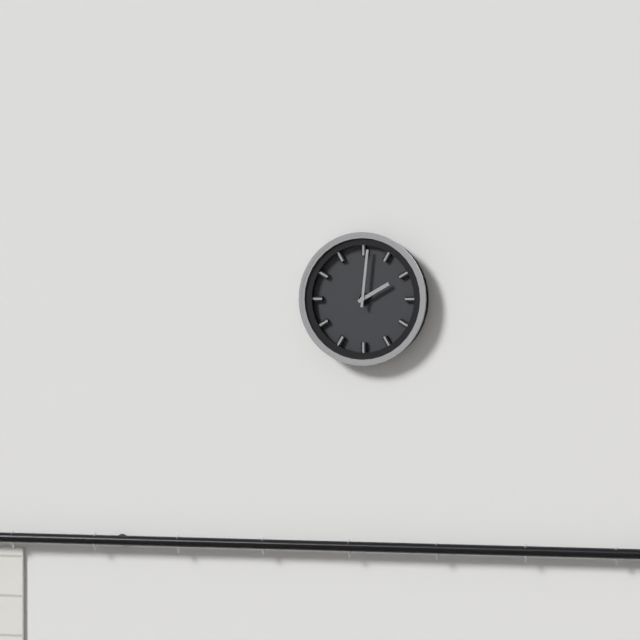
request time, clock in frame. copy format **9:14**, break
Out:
**2:01**
